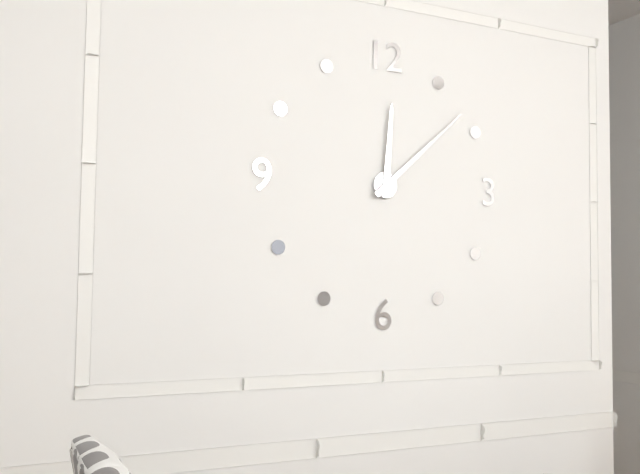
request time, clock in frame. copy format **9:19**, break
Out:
**12:08**
